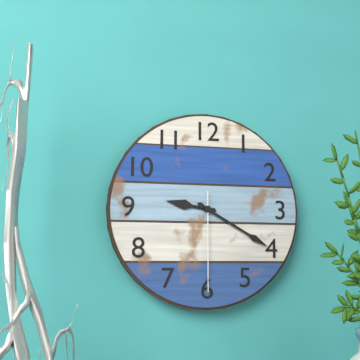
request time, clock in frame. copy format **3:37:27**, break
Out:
**9:20:30**
